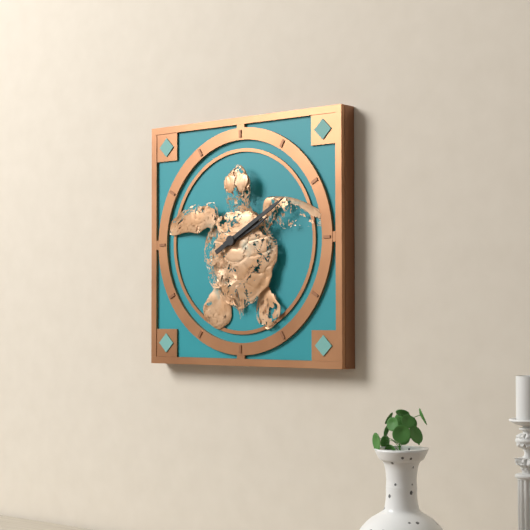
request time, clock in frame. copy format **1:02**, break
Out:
**2:10**
